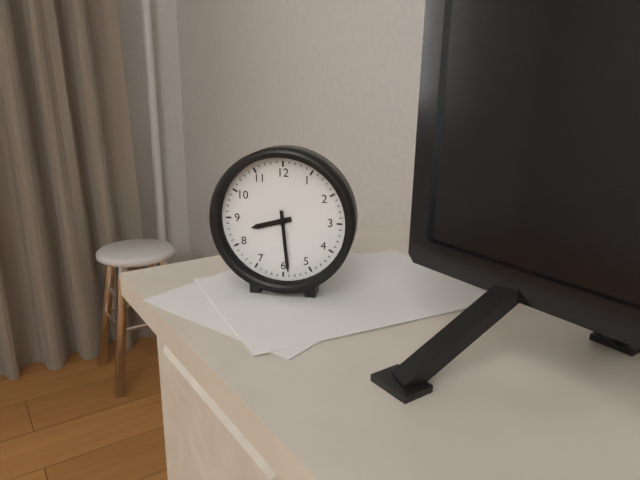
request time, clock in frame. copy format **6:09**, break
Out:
**8:29**
